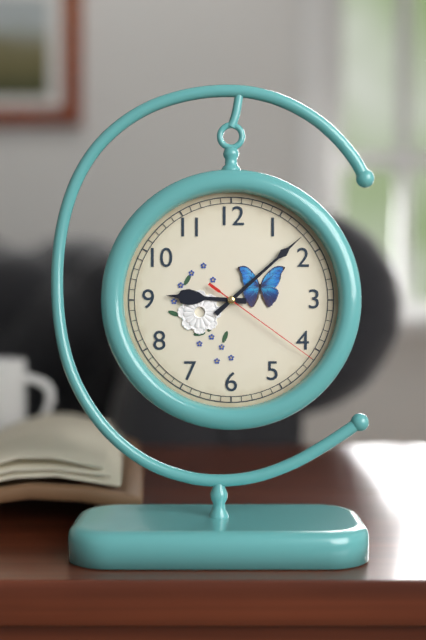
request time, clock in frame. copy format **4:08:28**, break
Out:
**9:08:21**
